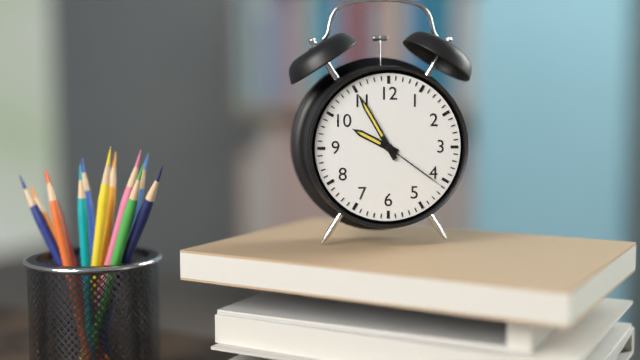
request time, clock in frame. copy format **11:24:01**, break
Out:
**9:55:21**
